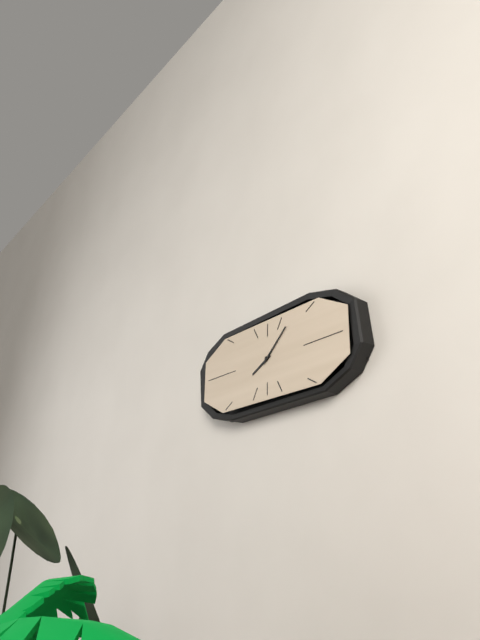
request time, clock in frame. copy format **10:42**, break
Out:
**8:08**
